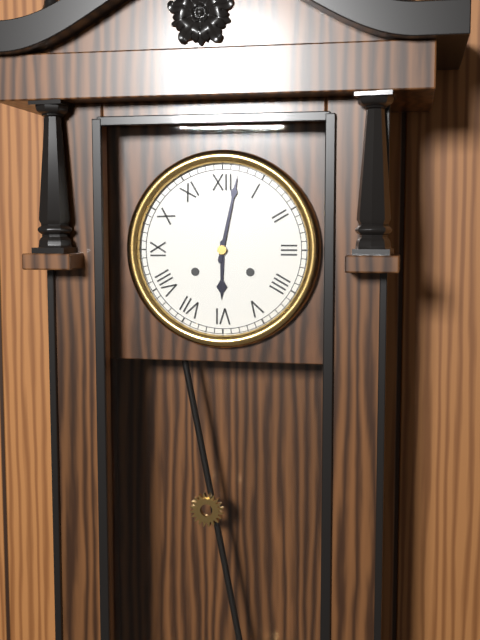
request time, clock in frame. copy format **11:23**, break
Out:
**6:02**
